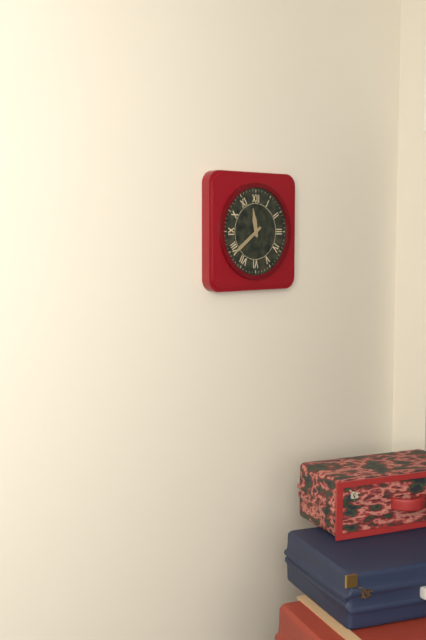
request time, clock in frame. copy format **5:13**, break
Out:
**11:39**
